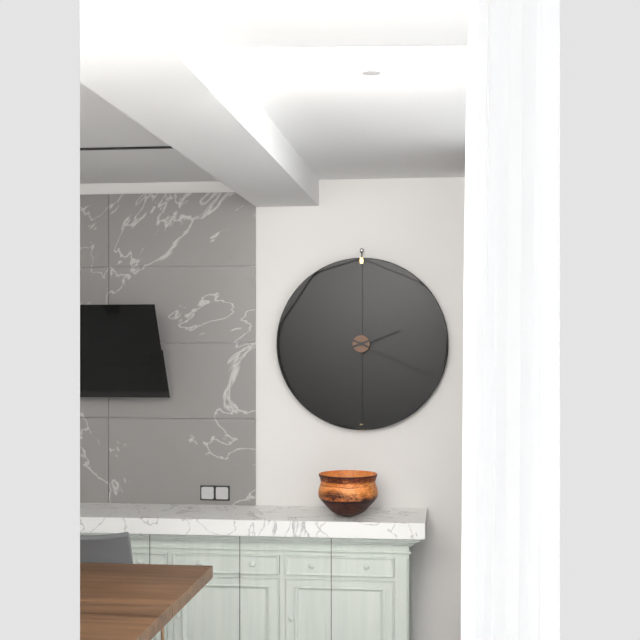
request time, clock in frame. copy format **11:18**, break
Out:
**2:19**
